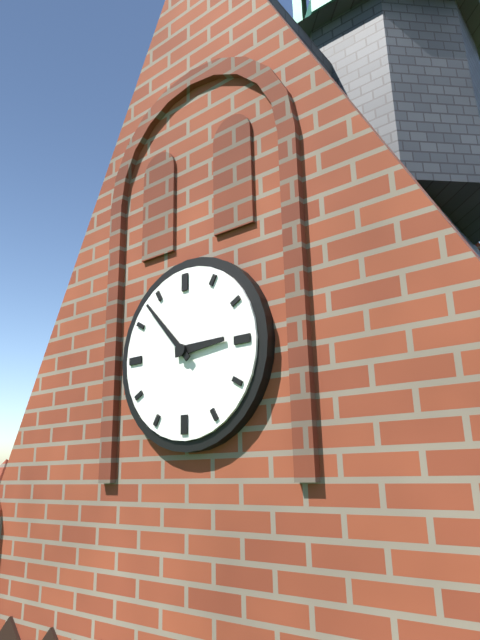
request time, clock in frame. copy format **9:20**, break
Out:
**2:53**
